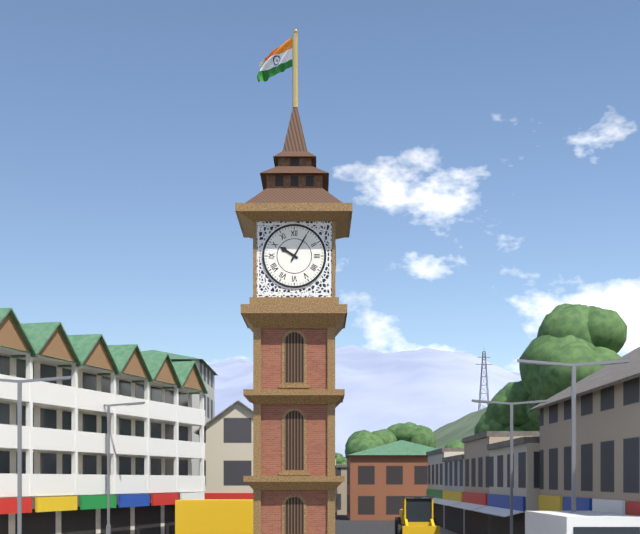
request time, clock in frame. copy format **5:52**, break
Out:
**10:05**
